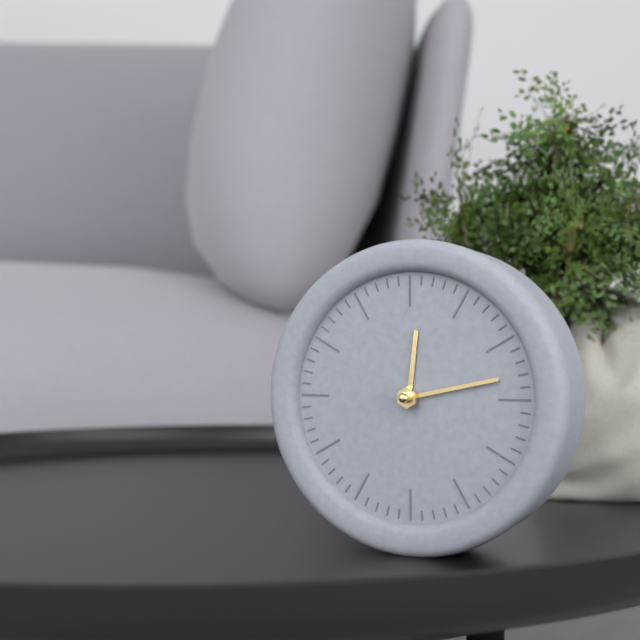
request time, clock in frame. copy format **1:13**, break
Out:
**12:13**
